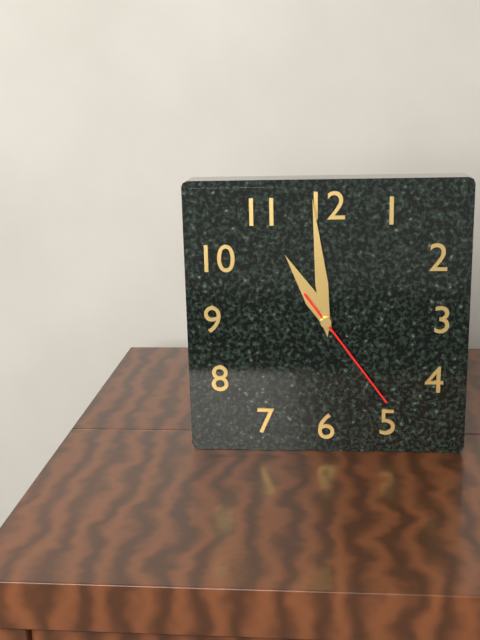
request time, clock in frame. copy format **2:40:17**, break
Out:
**10:59:24**
